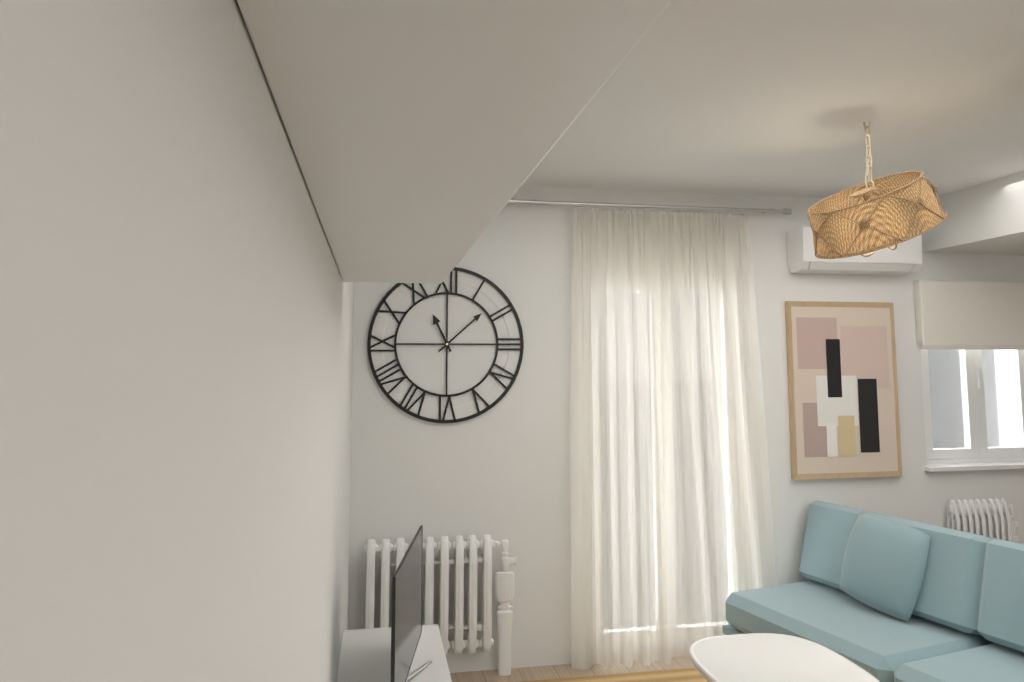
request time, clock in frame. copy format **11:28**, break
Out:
**11:08**
